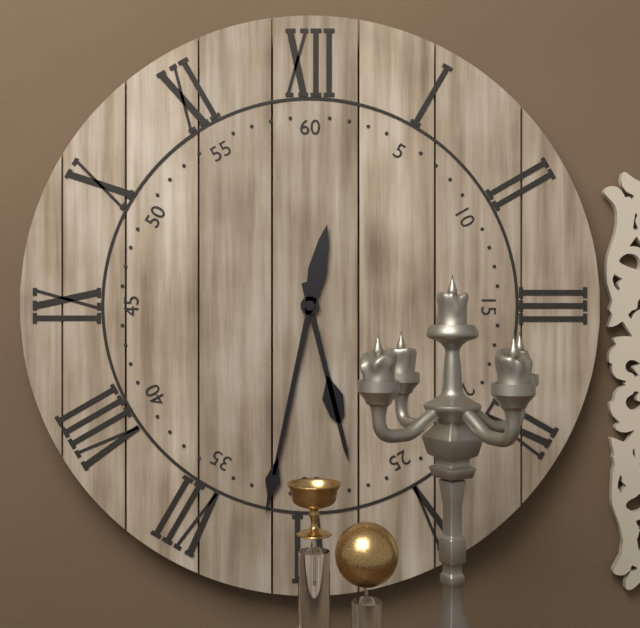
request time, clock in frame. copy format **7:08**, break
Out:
**5:32**
